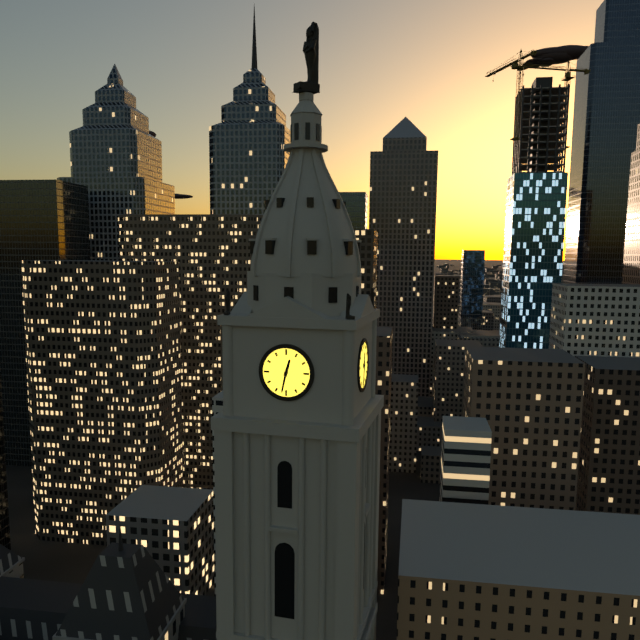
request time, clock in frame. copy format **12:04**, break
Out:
**12:32**
